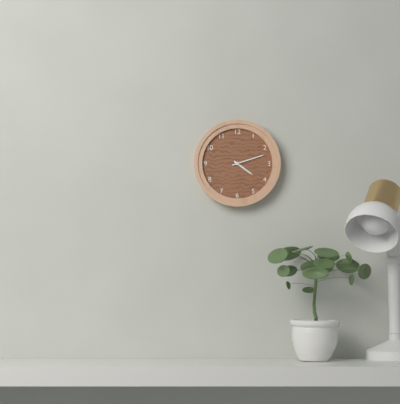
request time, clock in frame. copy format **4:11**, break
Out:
**4:12**
